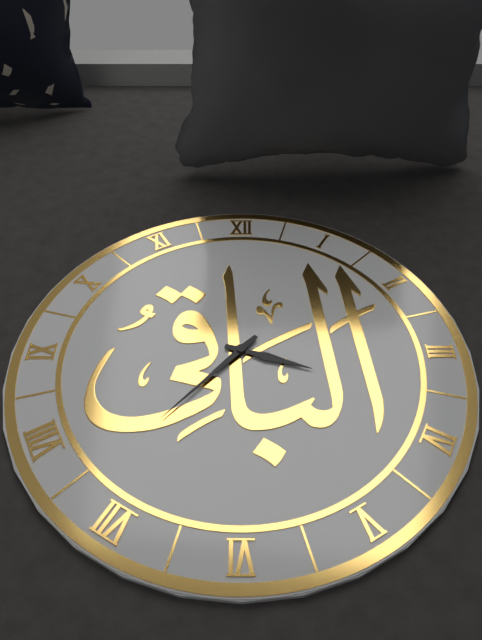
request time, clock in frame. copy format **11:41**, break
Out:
**3:37**
